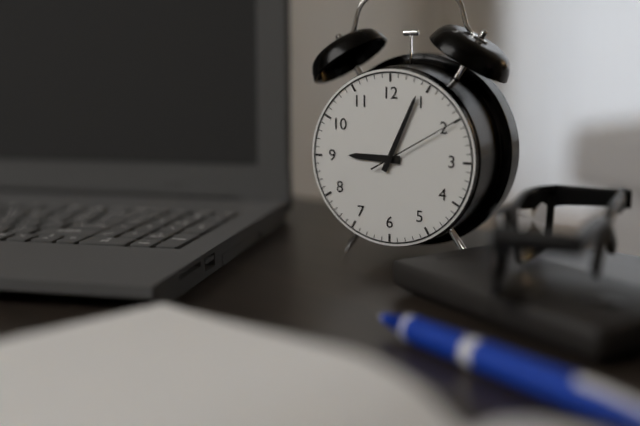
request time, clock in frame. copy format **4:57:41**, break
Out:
**9:04:10**
